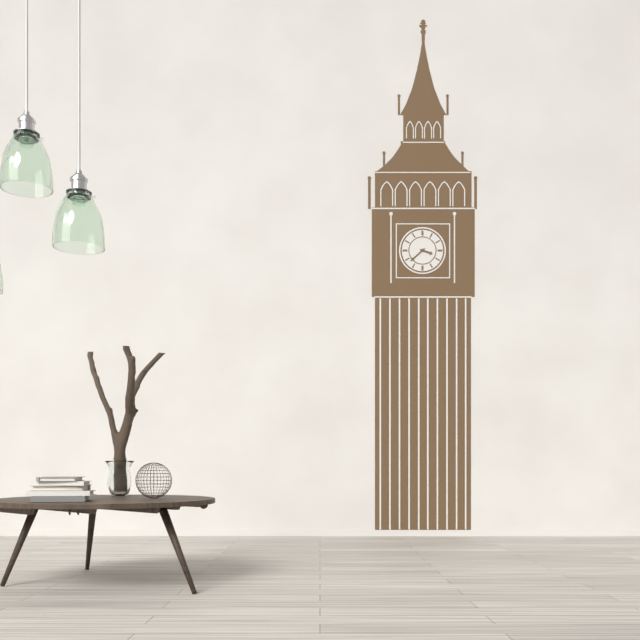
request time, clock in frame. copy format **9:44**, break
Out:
**3:38**
